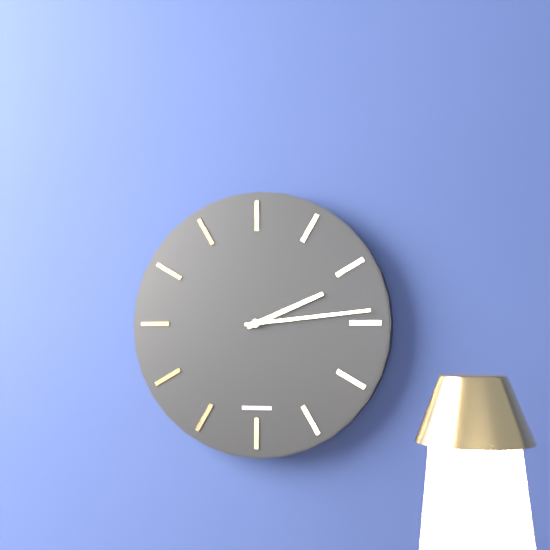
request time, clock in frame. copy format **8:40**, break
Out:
**2:14**
